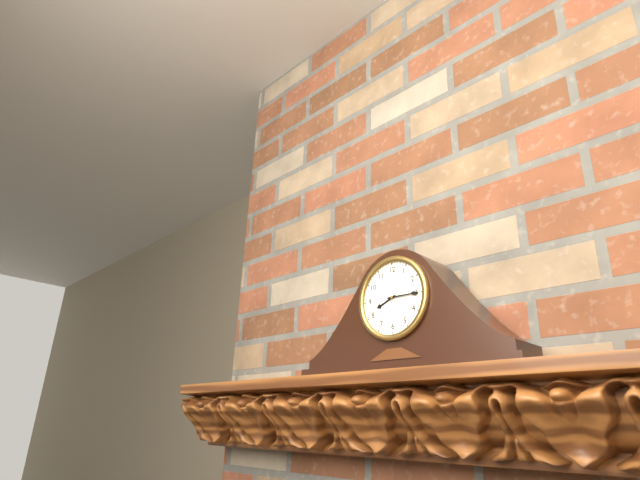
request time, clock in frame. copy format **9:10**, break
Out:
**8:15**
